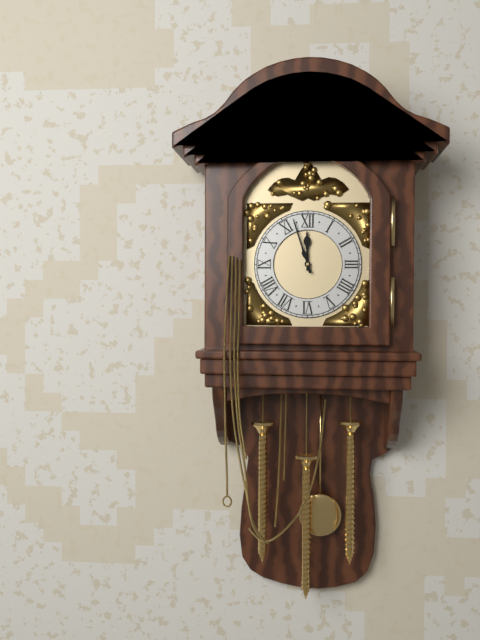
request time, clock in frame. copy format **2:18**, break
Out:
**11:57**
